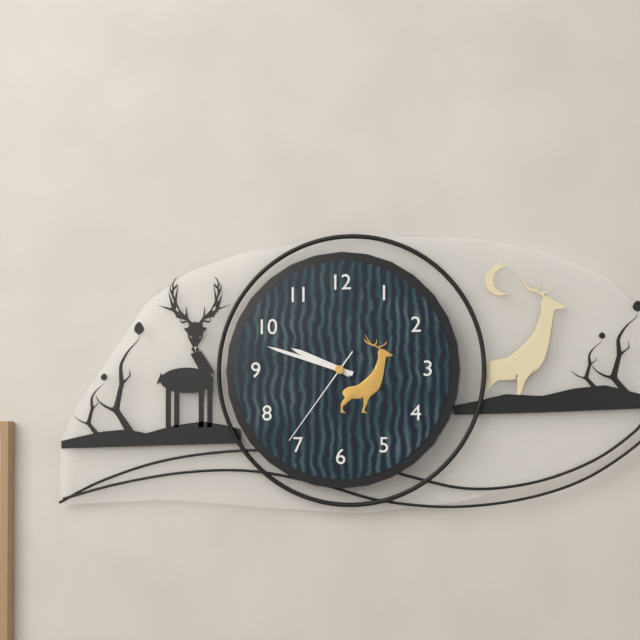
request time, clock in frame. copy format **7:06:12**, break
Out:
**9:48:36**
